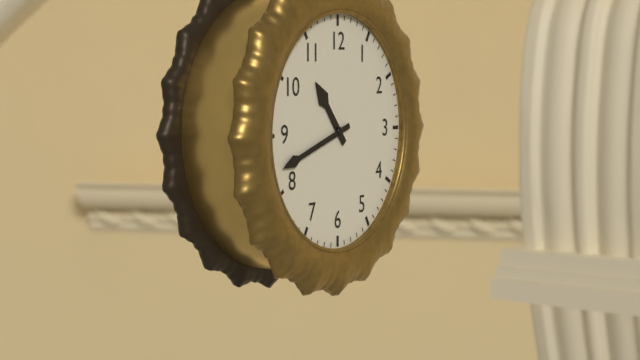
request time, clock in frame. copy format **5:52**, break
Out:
**10:42**
